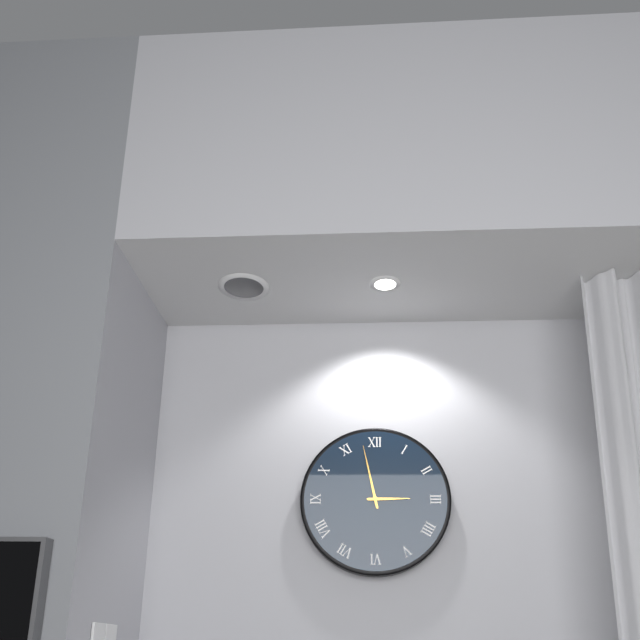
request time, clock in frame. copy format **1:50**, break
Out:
**2:58**
